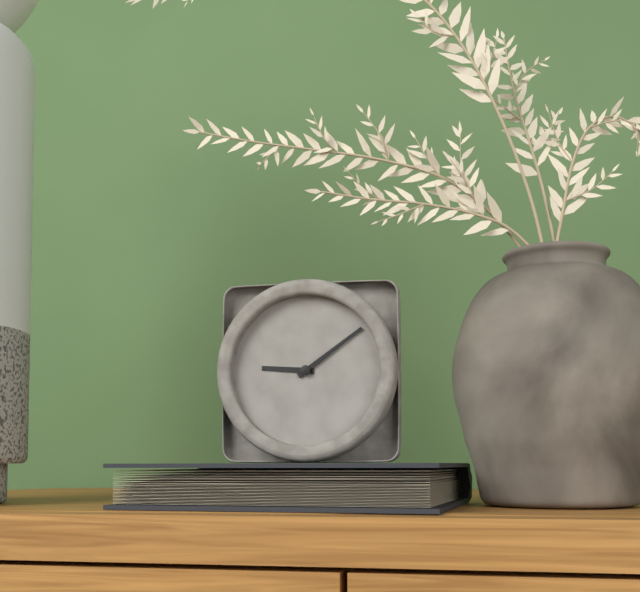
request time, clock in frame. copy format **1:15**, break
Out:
**9:09**
